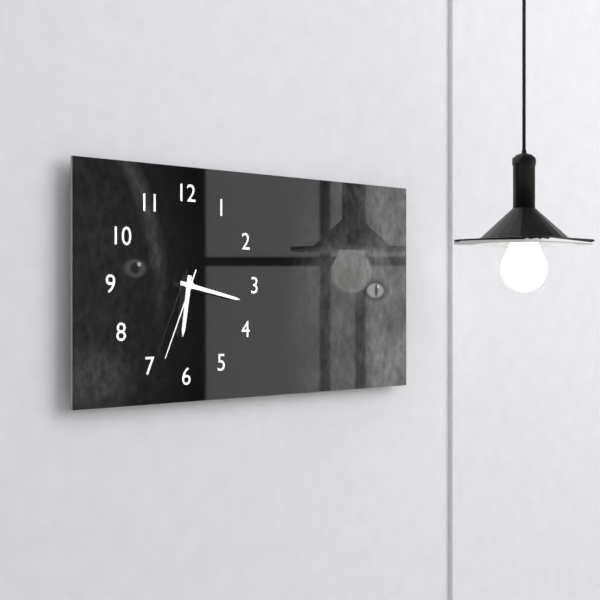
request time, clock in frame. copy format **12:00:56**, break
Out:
**6:17:34**
